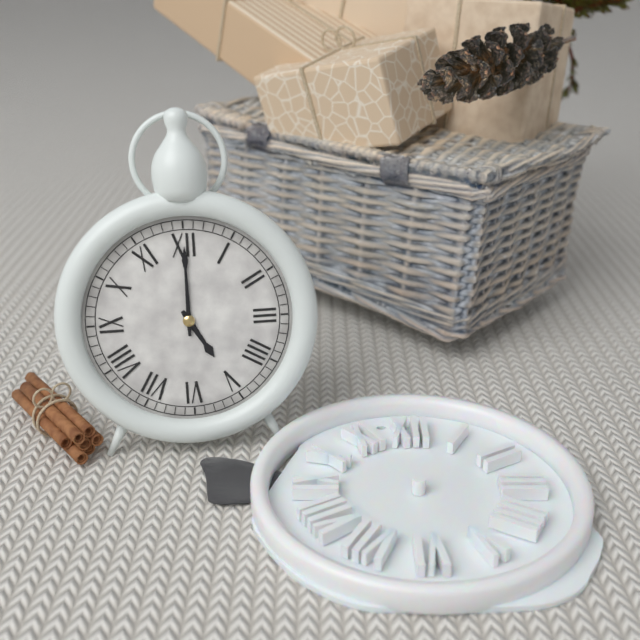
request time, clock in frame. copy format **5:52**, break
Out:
**5:00**
